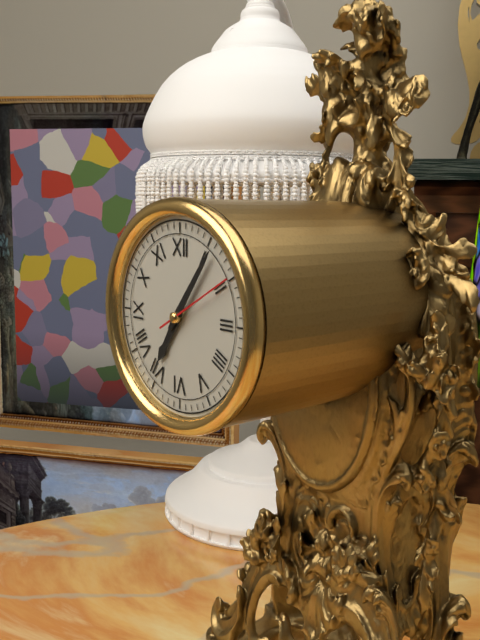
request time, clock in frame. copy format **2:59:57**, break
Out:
**7:06:10**
